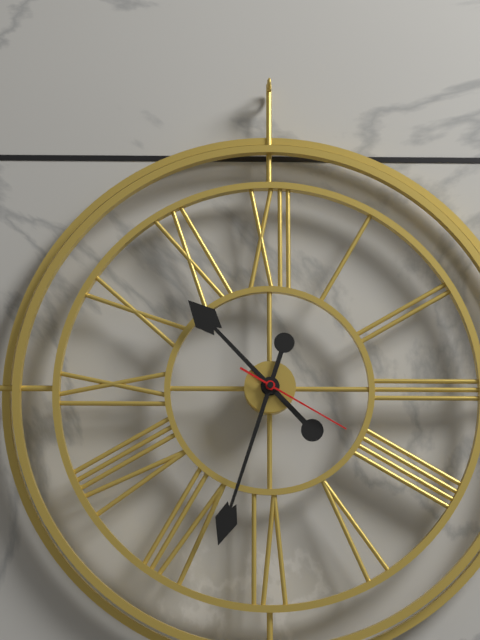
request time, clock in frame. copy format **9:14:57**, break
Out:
**10:33:20**
